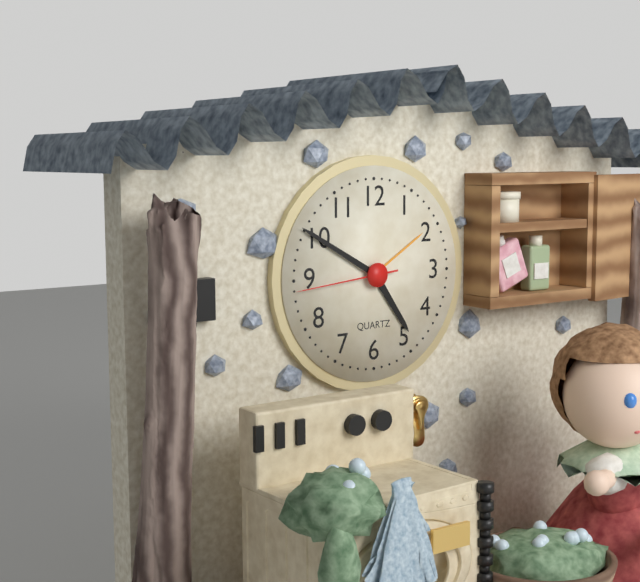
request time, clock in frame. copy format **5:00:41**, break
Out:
**4:50:44**
